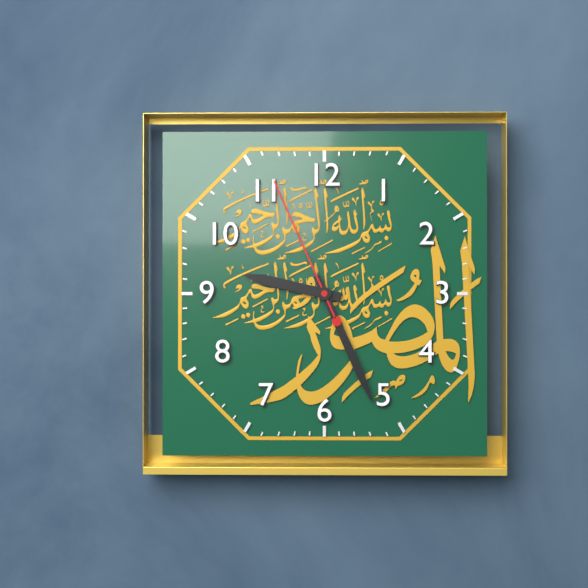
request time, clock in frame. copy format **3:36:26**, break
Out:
**9:26:56**
